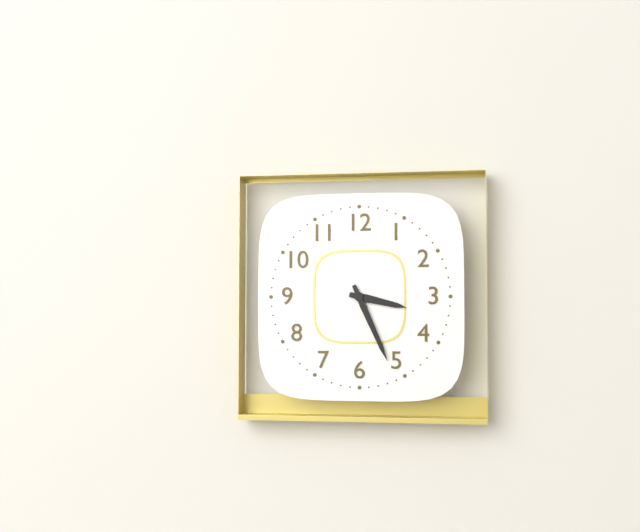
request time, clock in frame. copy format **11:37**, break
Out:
**3:26**
